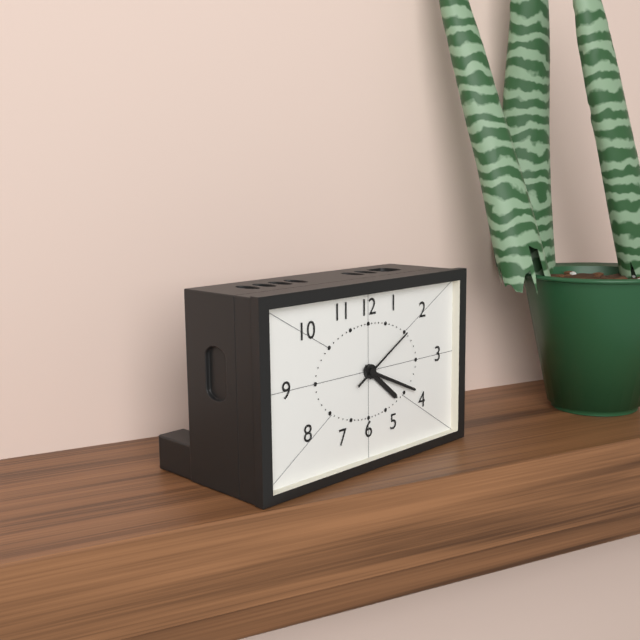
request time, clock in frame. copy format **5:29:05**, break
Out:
**4:19:10**
